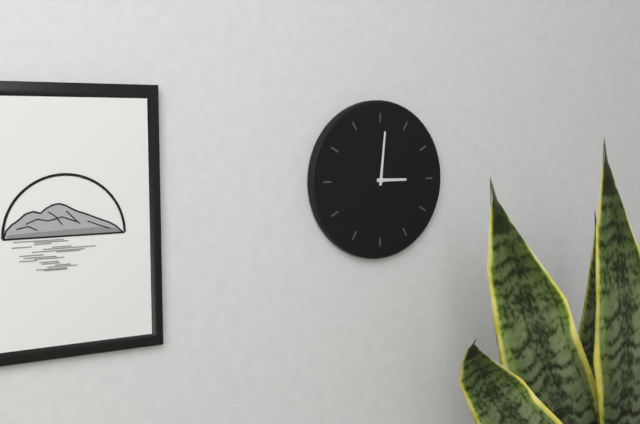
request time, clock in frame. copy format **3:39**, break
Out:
**3:01**
